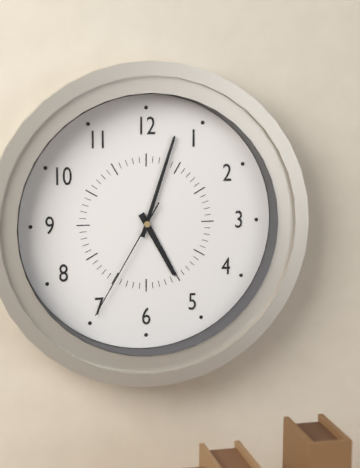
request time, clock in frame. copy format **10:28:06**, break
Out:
**5:03:35**
